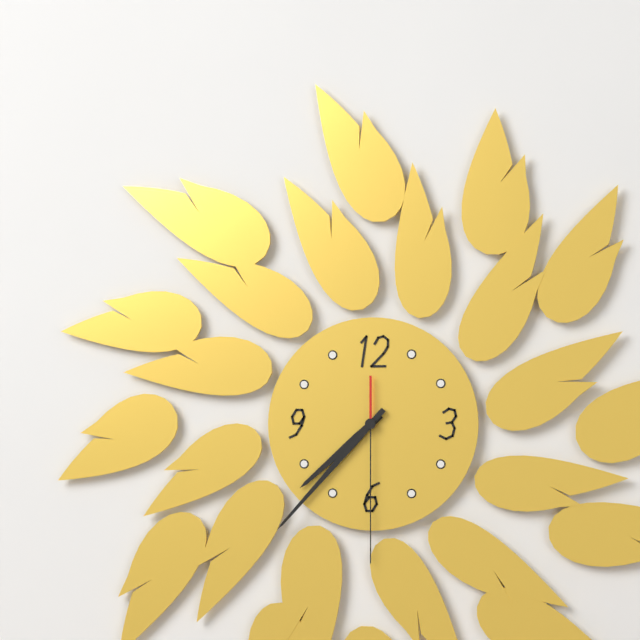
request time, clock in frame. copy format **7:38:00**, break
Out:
**7:37:30**
